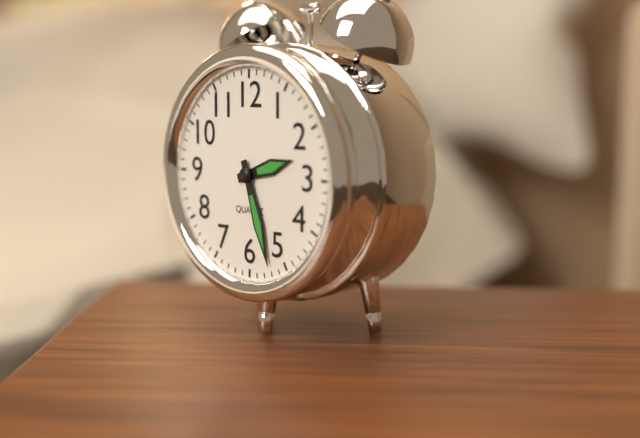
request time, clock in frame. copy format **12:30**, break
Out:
**2:27**
